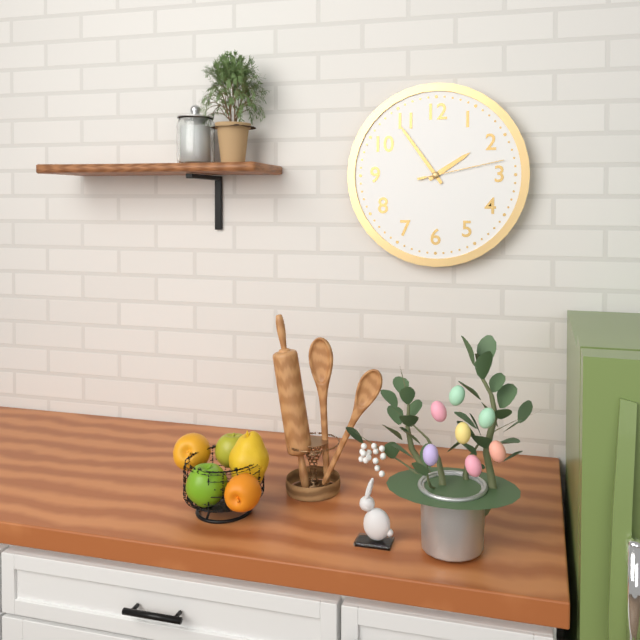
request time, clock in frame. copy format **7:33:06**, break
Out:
**1:54:13**
